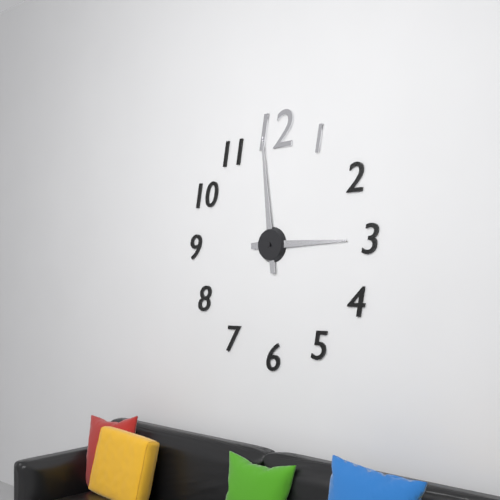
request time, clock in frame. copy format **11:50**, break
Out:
**2:59**
